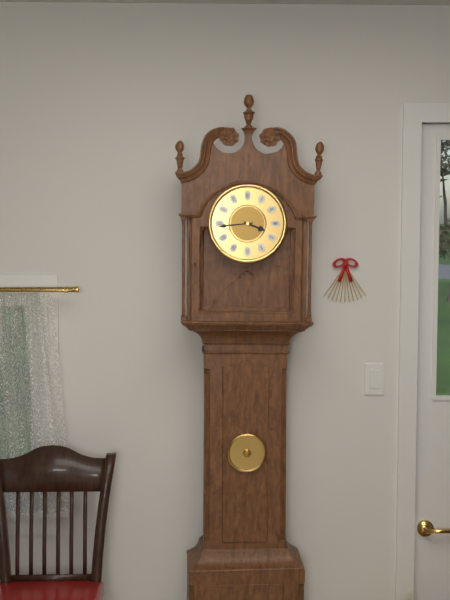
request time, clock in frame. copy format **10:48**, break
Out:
**3:44**
